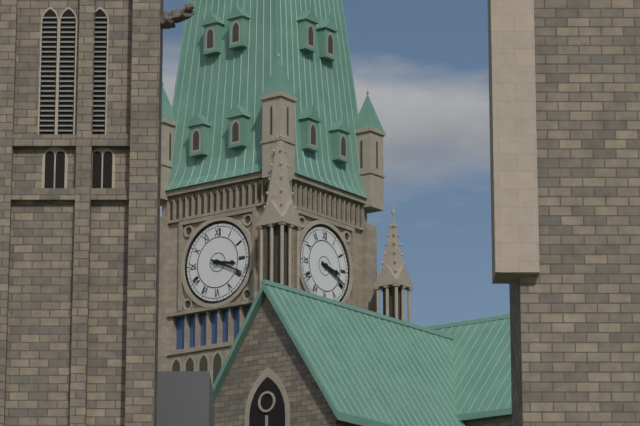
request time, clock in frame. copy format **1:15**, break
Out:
**3:19**
